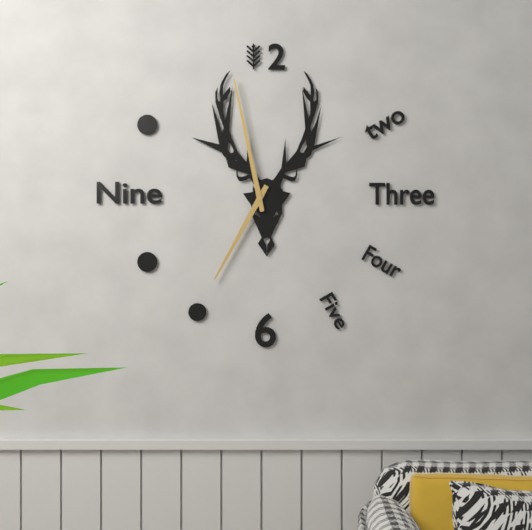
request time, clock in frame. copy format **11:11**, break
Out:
**6:58**
